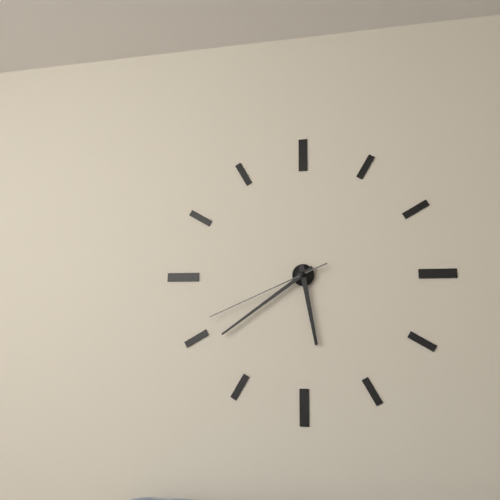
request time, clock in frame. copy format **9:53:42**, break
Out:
**5:39:41**
